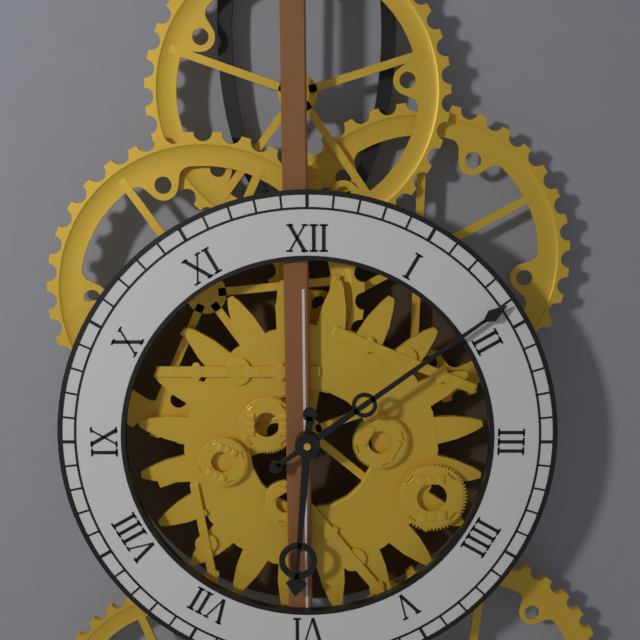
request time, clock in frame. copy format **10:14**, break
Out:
**6:09**
